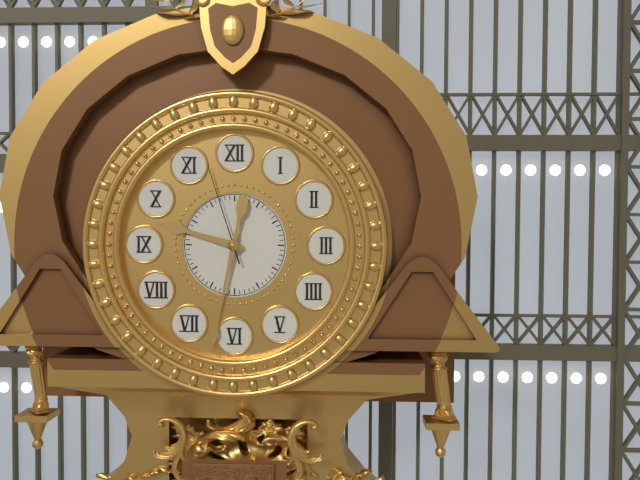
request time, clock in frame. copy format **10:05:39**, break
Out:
**9:32:57**
